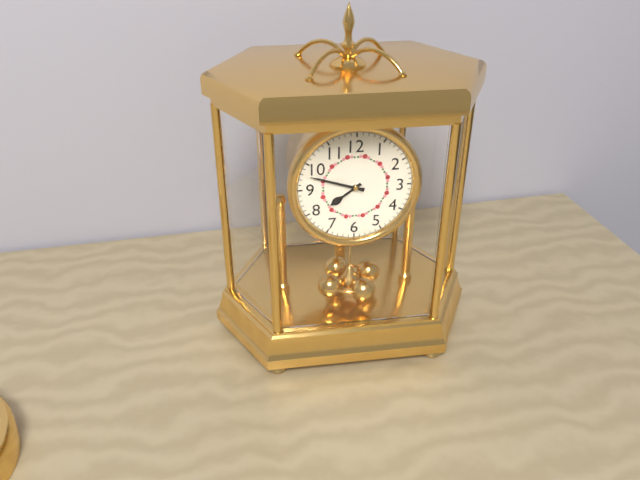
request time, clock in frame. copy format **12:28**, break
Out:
**7:48**
